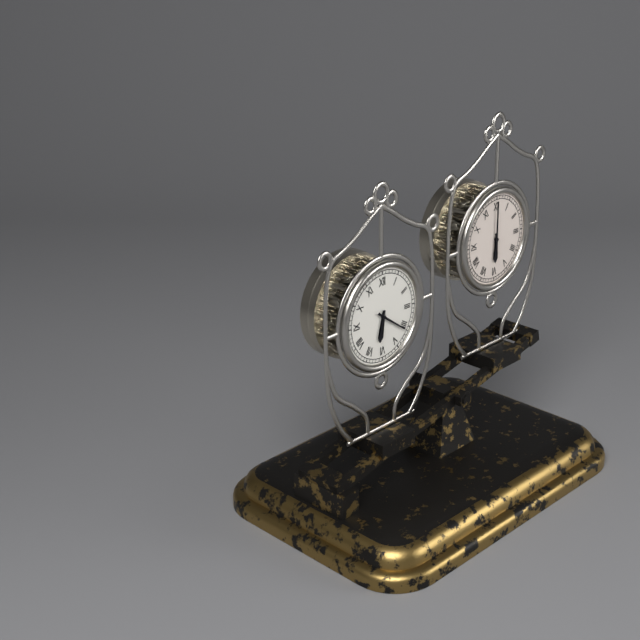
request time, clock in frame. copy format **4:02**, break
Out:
**6:21**
